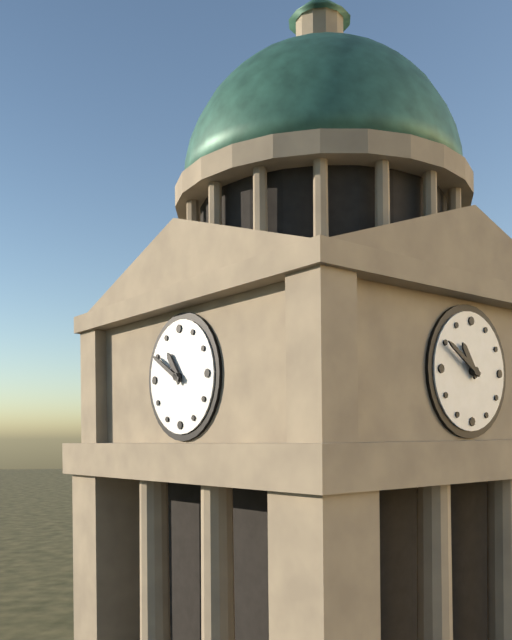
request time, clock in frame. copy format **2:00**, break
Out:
**10:50**
